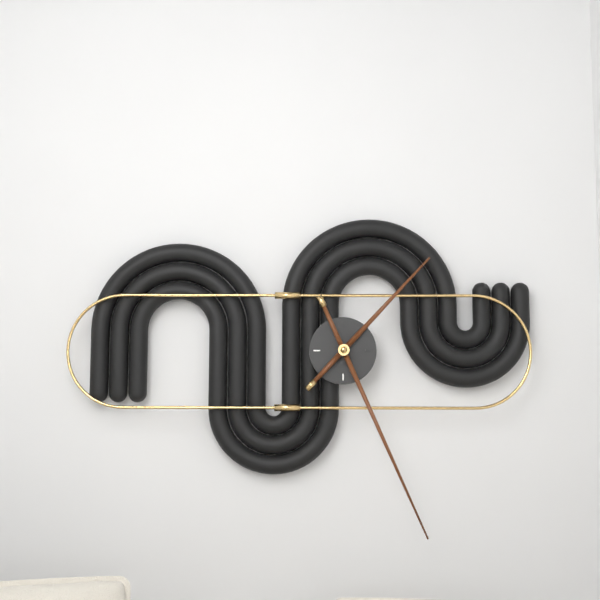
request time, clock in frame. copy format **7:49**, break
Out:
**1:26**
